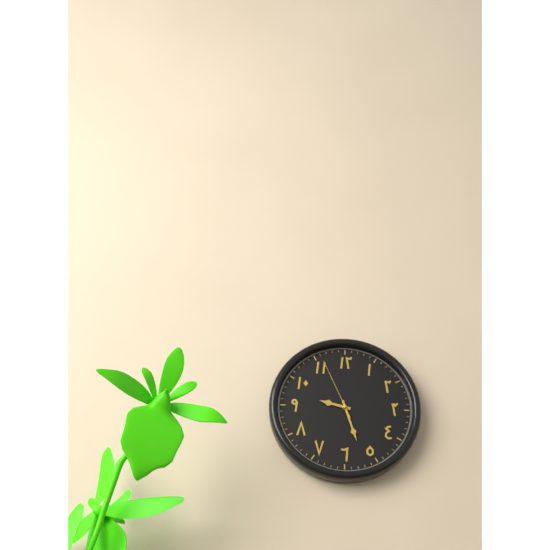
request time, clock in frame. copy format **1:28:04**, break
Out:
**9:27:56**
